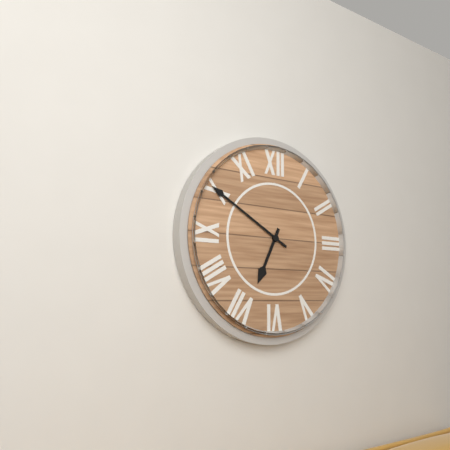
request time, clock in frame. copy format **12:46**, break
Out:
**6:50**
